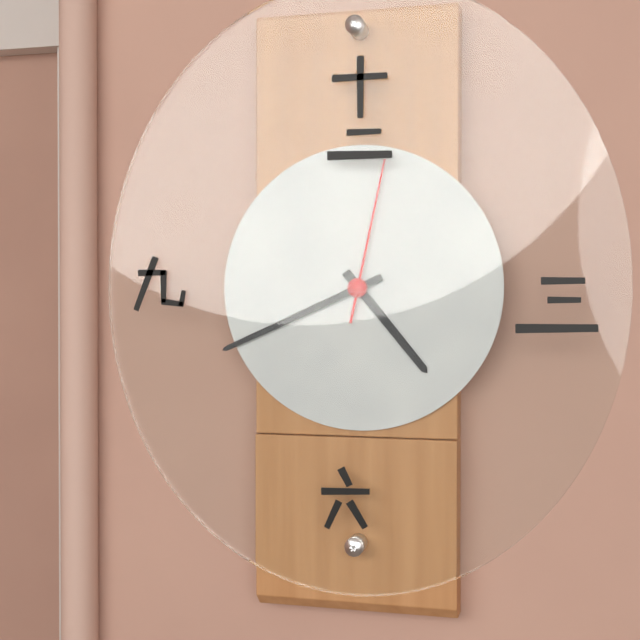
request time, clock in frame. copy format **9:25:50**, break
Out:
**4:41:02**
